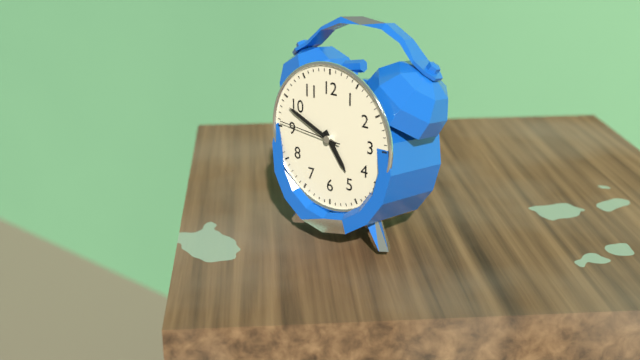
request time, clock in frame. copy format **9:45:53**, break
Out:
**4:49:46**
